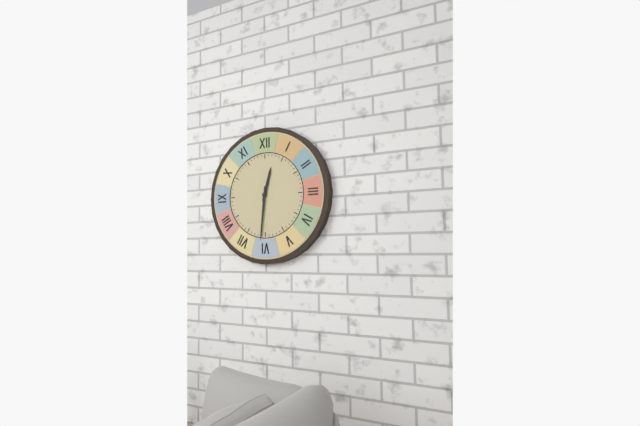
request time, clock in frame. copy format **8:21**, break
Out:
**12:31**
